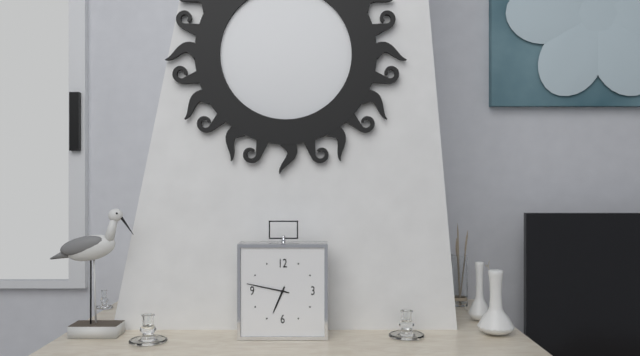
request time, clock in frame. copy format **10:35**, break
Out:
**6:47**
